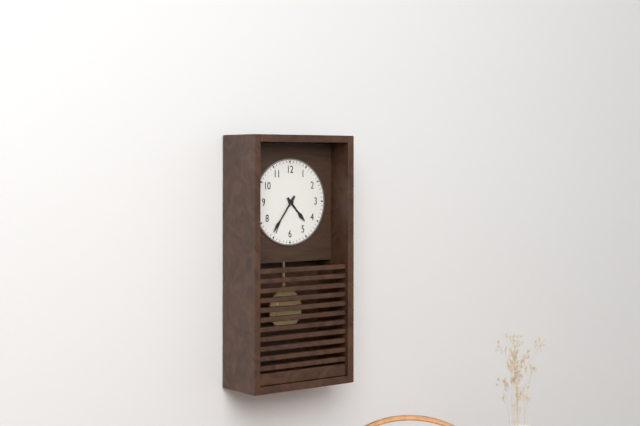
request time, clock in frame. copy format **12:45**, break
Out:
**4:36**
